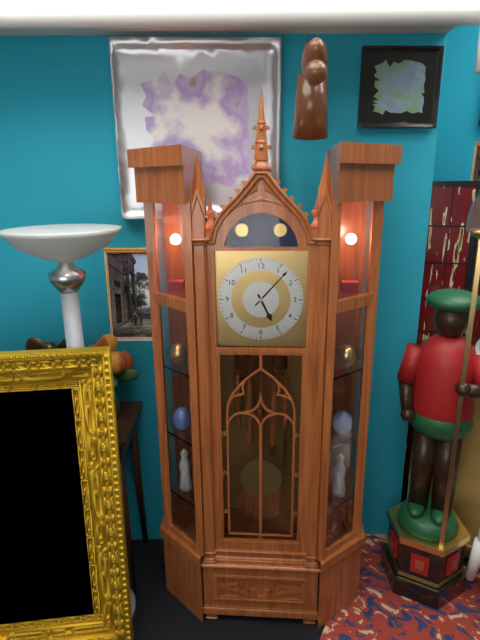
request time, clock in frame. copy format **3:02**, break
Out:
**5:07**
